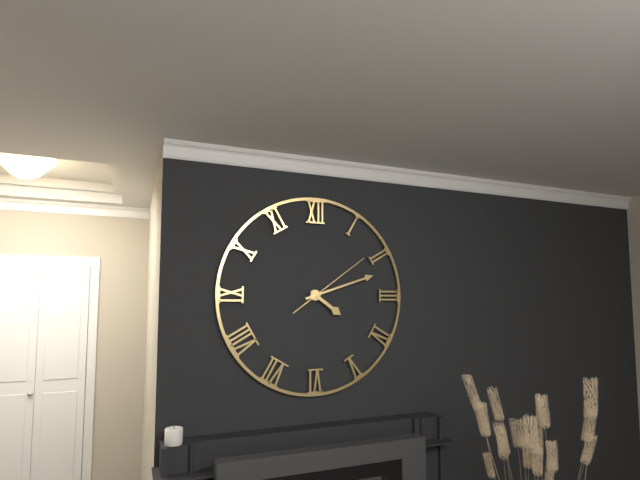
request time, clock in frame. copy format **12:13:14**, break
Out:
**4:12:09**
